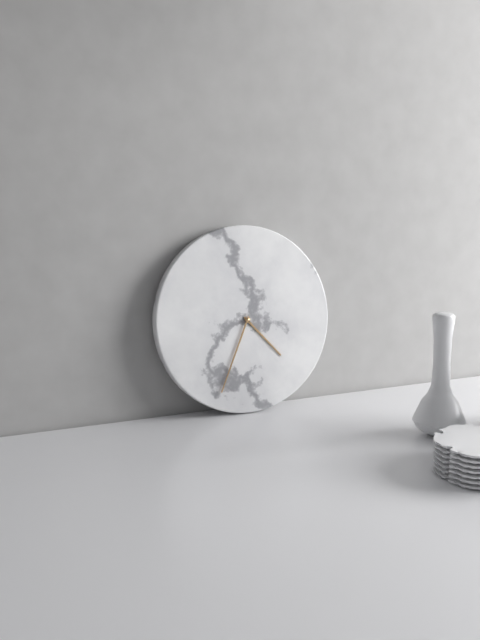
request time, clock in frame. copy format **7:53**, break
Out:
**4:34**
